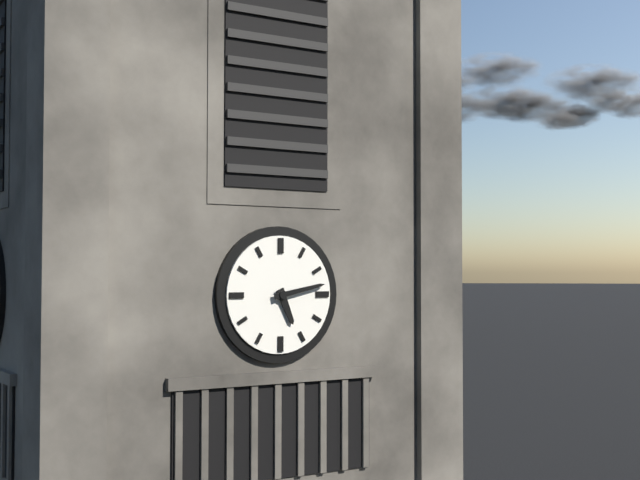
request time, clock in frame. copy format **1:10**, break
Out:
**5:13**
